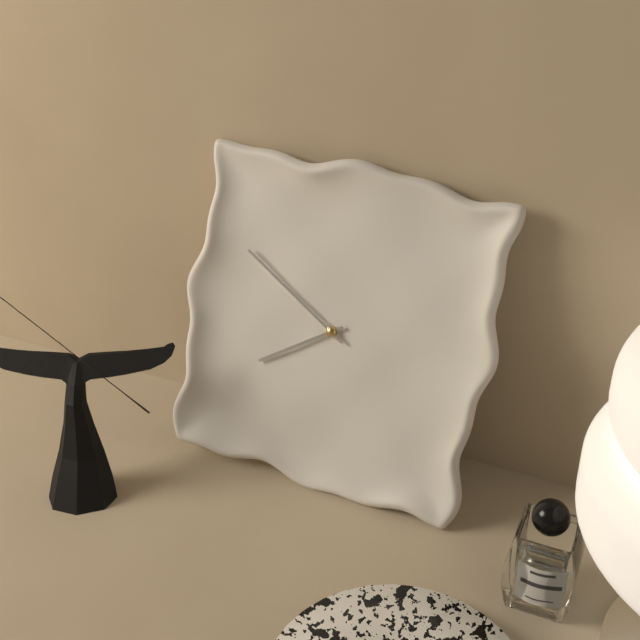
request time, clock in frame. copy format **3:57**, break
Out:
**7:50**
